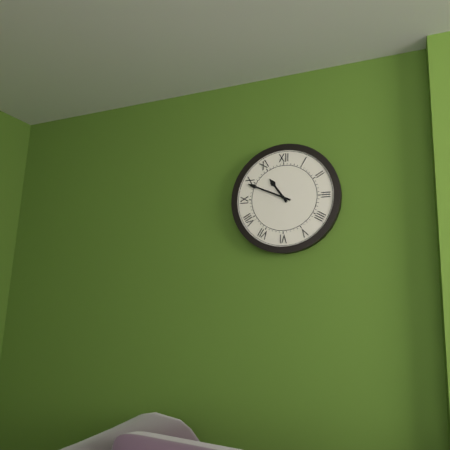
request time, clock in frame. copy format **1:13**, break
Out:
**10:49**
